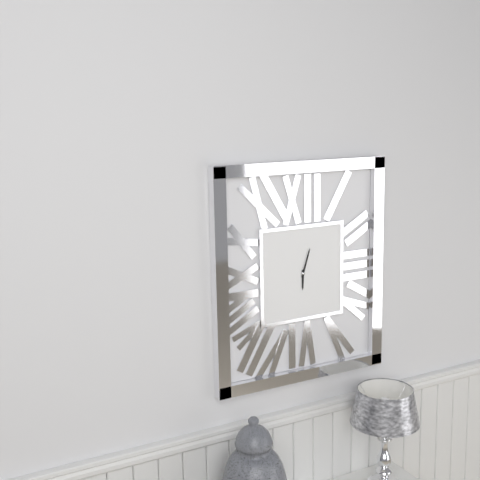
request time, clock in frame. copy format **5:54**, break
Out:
**6:03**
